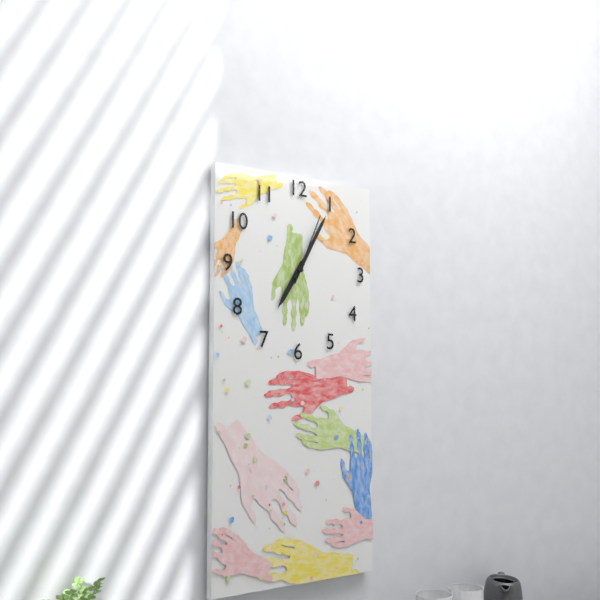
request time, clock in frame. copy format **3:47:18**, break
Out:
**7:05:04**
